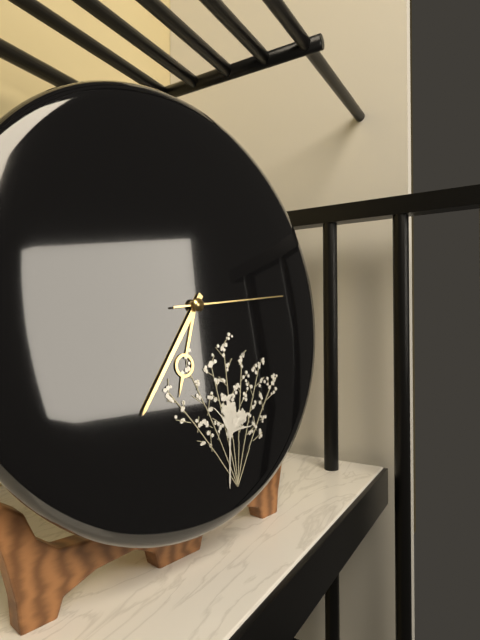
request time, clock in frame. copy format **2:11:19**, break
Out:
**6:36:14**
